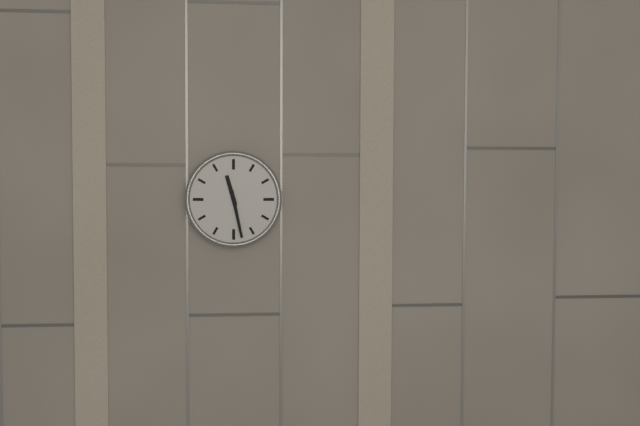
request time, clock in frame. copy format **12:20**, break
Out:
**11:28**
